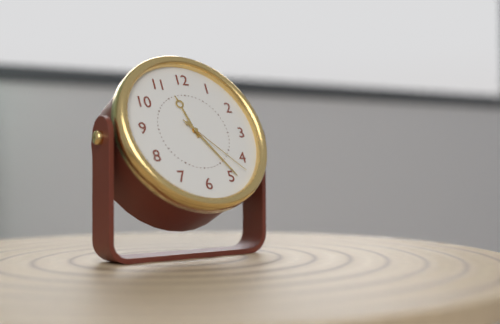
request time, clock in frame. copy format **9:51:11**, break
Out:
**11:24:22**
